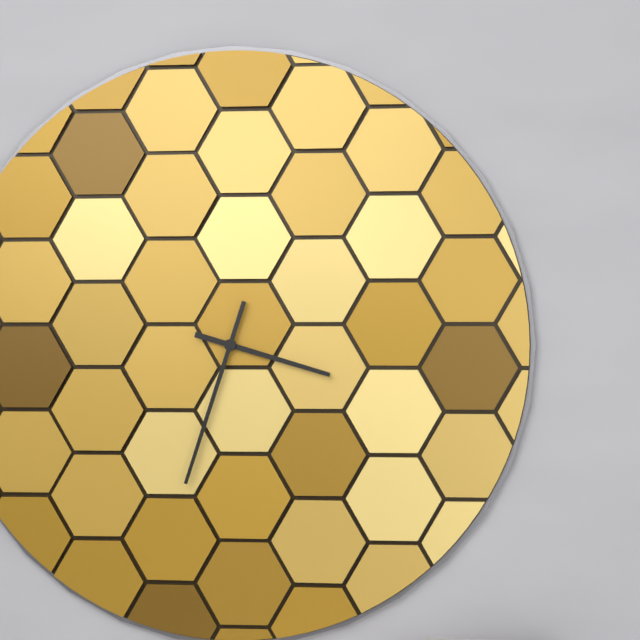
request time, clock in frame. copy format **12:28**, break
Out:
**3:33**
